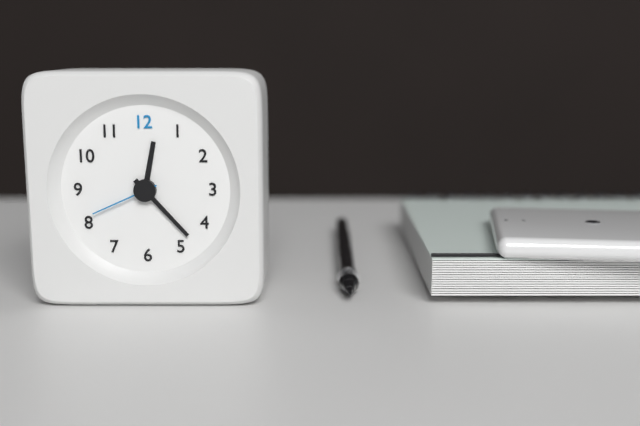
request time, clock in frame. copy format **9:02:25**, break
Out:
**12:23:41**
